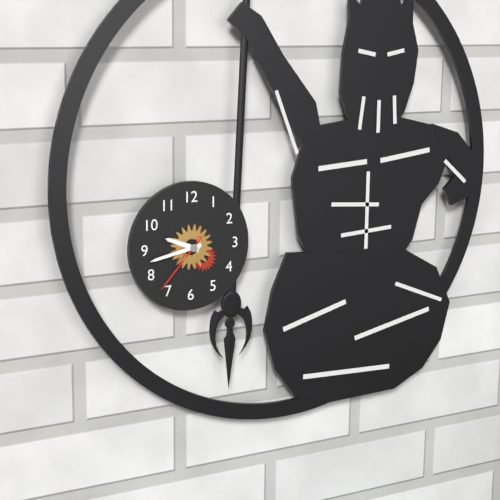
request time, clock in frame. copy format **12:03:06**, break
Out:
**9:43:37**
